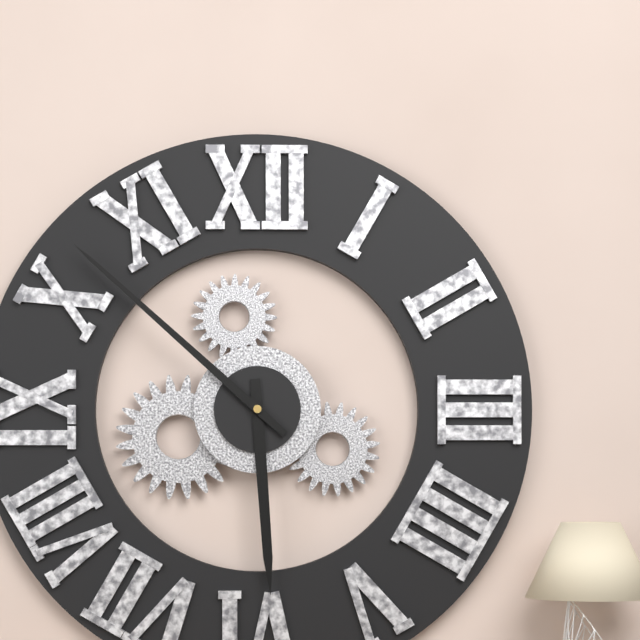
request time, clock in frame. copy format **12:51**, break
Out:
**5:52**
